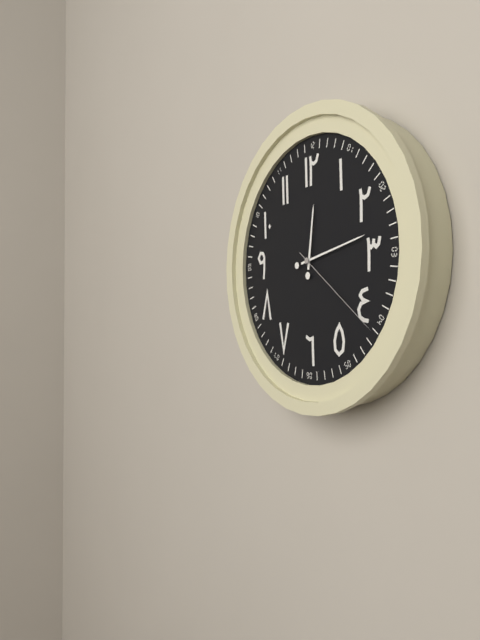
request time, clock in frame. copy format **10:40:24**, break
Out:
**12:13:21**
